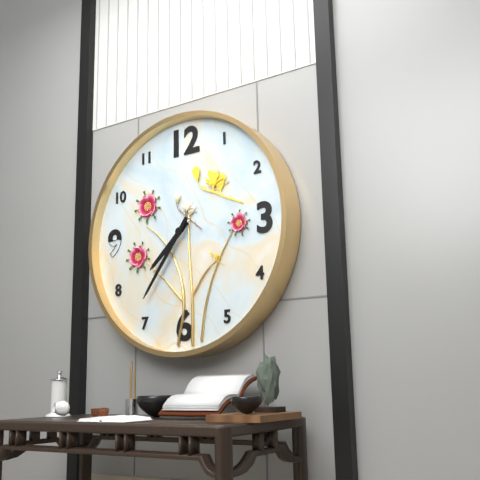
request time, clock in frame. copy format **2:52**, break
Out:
**7:36**
